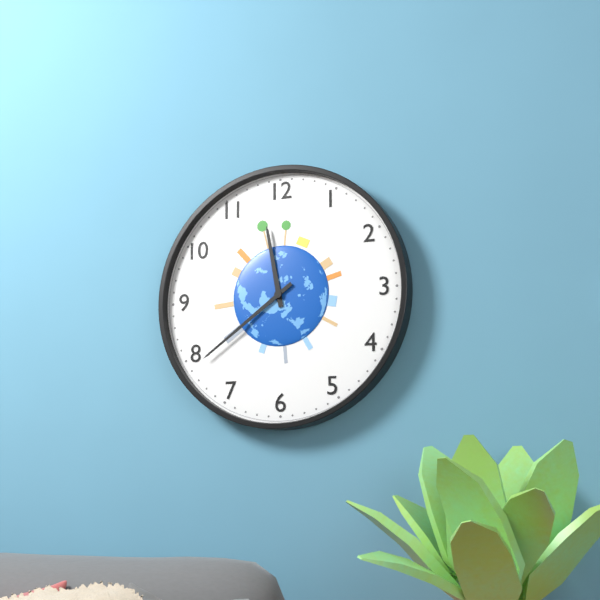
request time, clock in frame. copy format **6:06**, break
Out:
**11:39**
